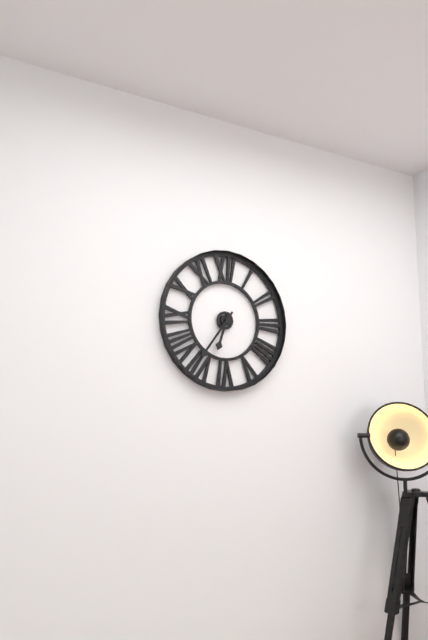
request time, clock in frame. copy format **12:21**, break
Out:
**6:36**
